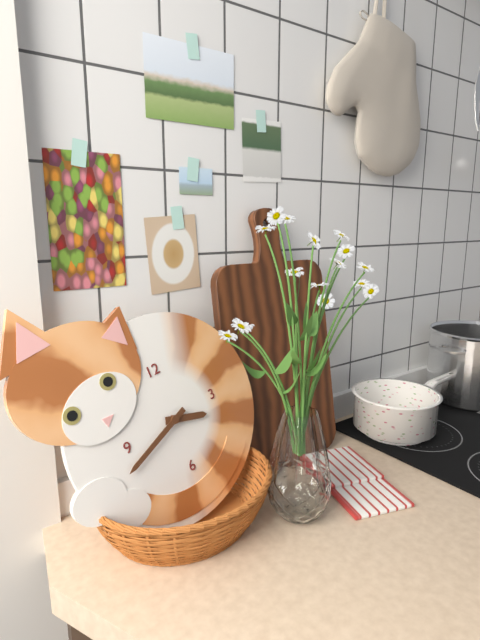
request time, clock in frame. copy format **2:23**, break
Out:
**3:42**
